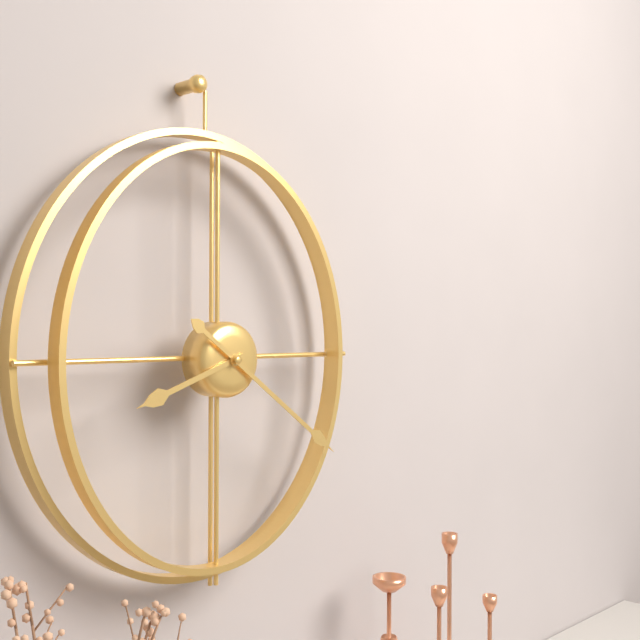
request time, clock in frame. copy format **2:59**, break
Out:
**8:21**
